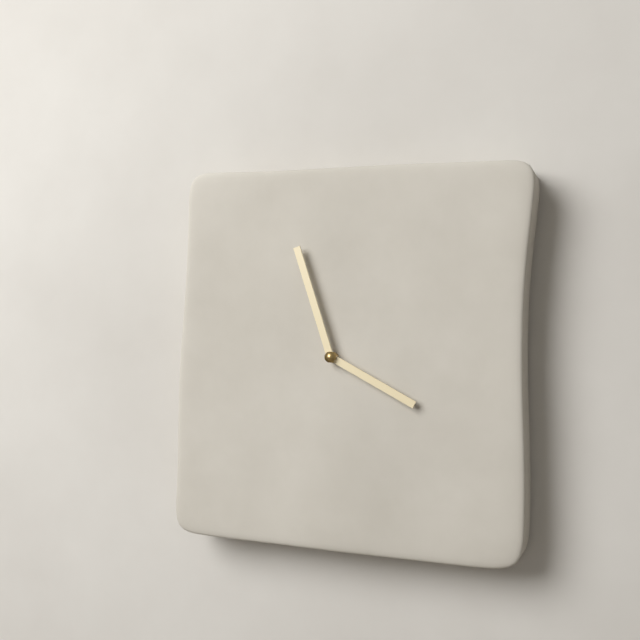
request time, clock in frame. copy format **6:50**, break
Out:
**3:57**
